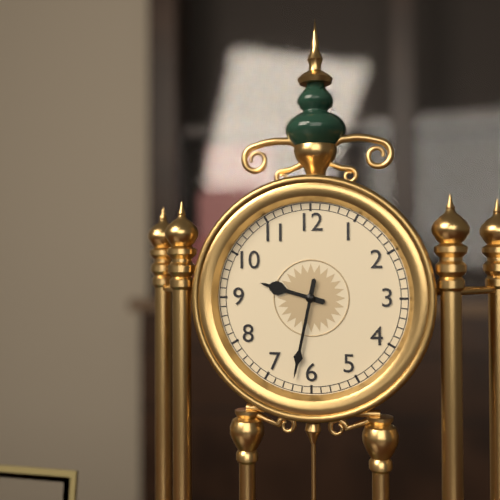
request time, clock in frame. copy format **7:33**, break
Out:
**9:32**
